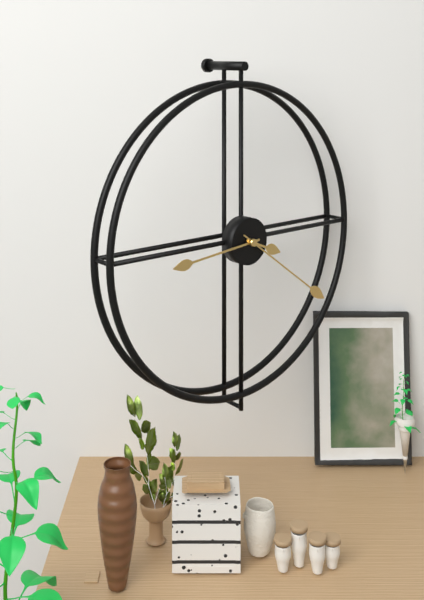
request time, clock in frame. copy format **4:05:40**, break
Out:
**3:44:21**
